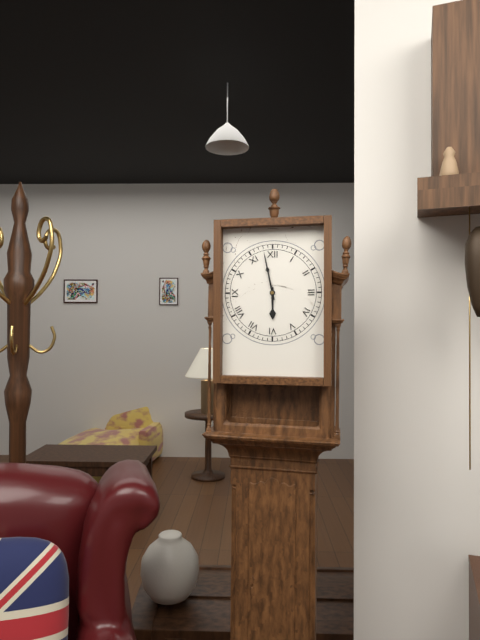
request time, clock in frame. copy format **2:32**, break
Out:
**5:58**
